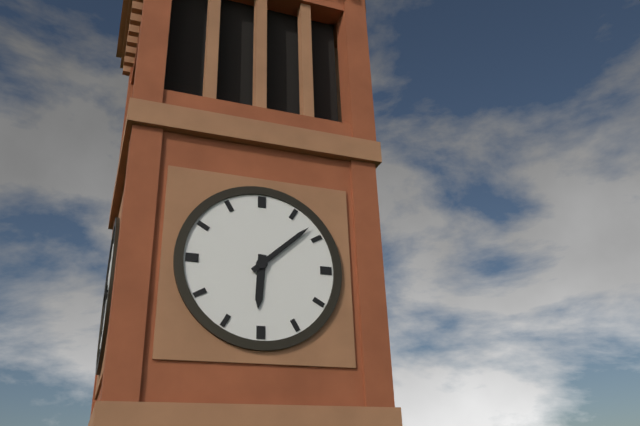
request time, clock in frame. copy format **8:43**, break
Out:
**6:08**
